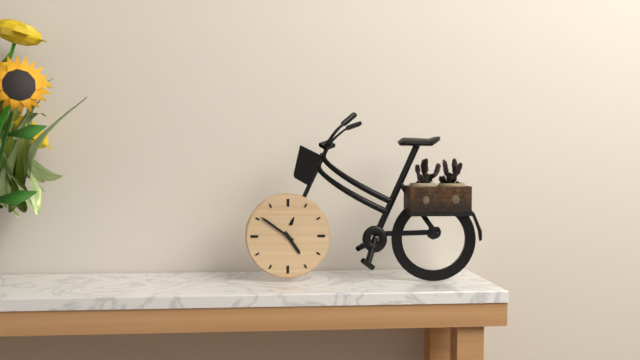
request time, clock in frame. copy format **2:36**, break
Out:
**4:51**
